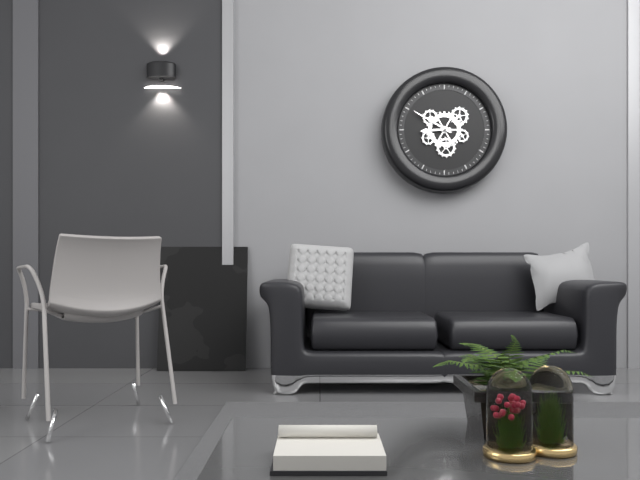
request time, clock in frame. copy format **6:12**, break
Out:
**8:50**
